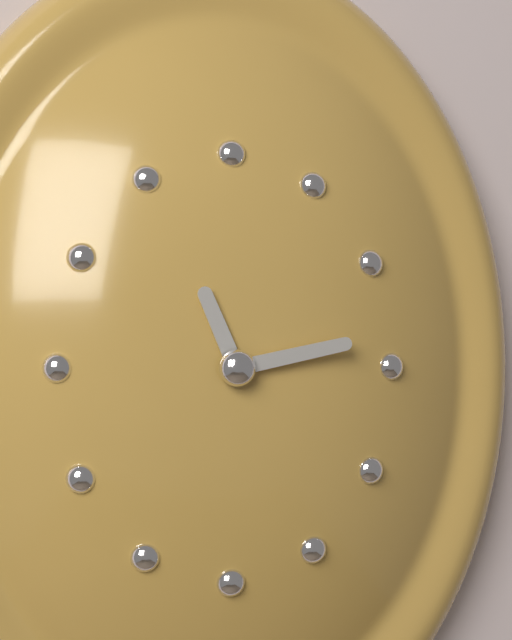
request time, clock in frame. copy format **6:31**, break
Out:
**11:13**
